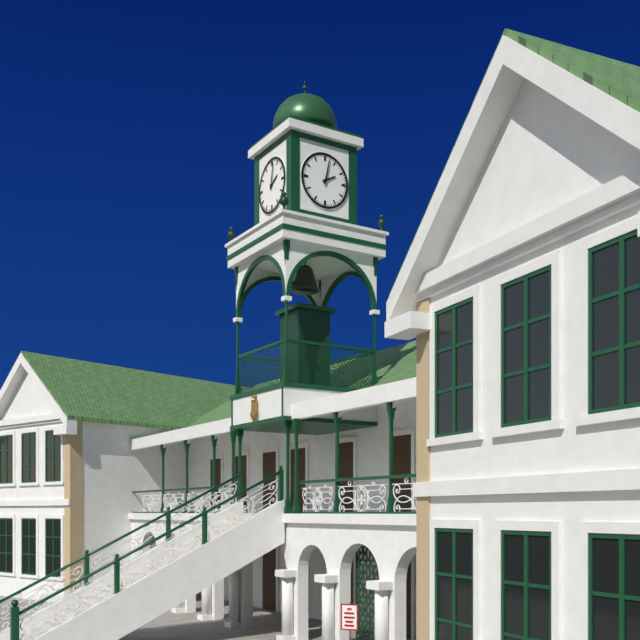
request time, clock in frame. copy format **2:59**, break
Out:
**2:02**
